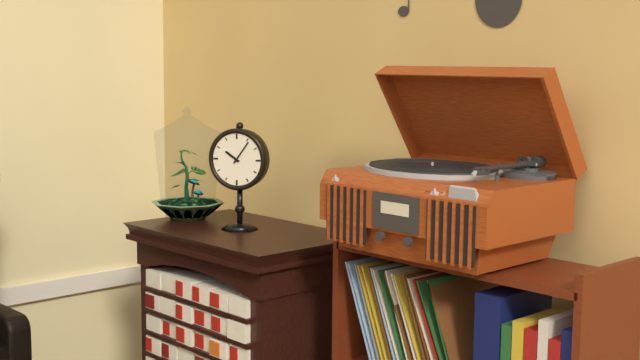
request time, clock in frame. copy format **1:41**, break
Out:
**10:06**
